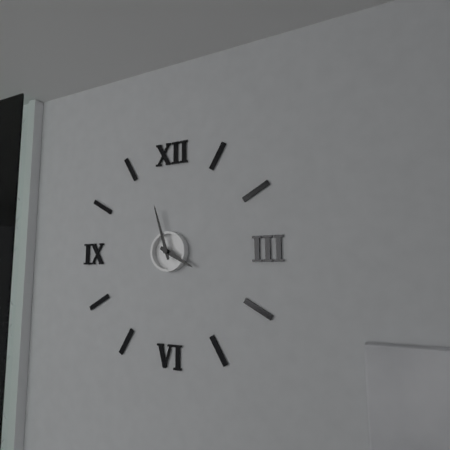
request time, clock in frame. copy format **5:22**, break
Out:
**3:57**
